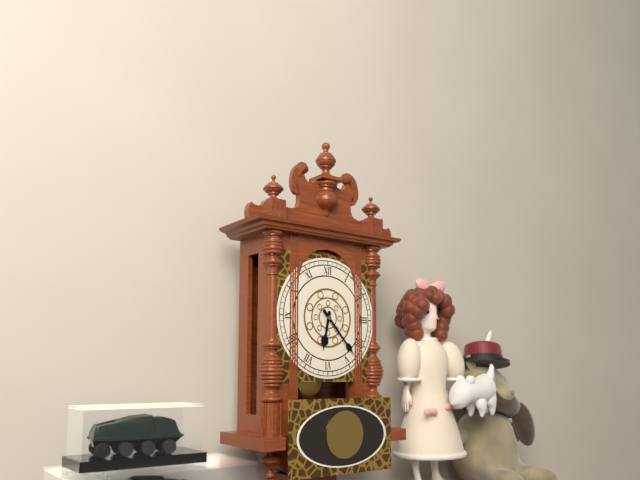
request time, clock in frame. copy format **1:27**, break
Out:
**6:23**
